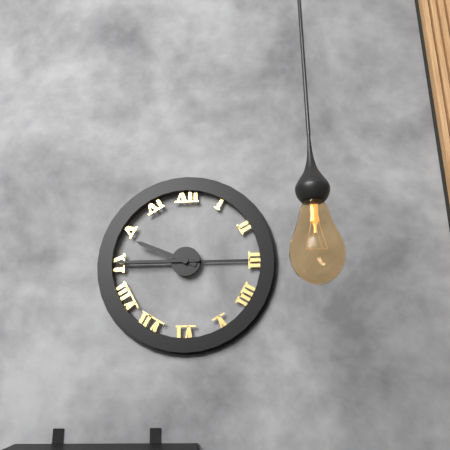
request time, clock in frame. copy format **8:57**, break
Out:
**9:45**
